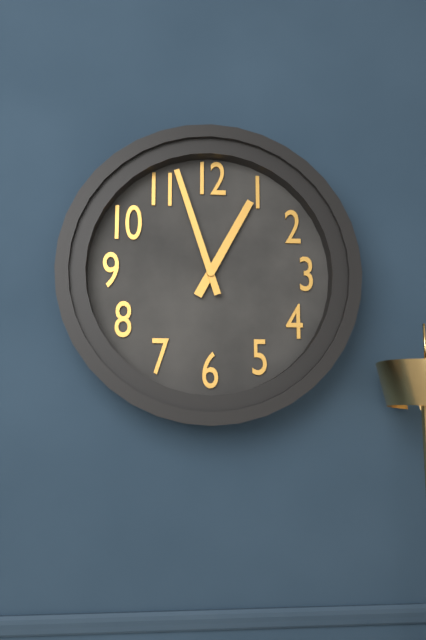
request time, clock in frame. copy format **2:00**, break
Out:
**12:57**
